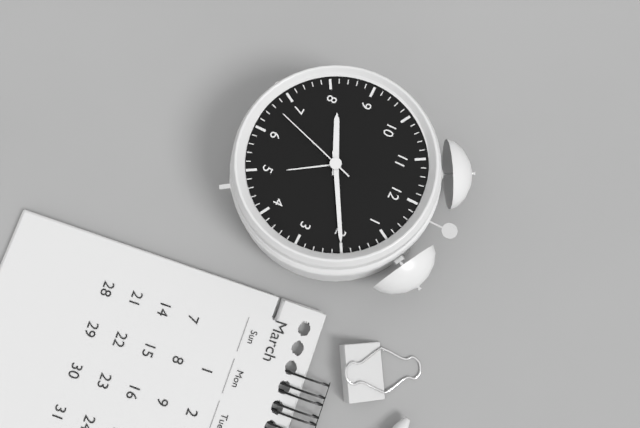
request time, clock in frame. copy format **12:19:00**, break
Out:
**8:10:33**
